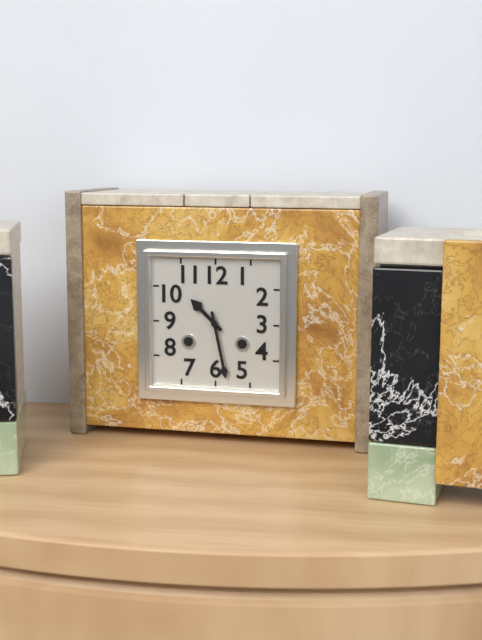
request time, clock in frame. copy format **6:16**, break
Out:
**10:28**
